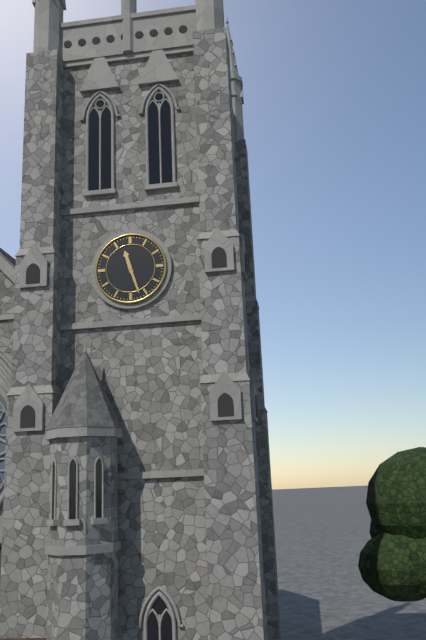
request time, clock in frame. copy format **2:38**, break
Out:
**11:27**
